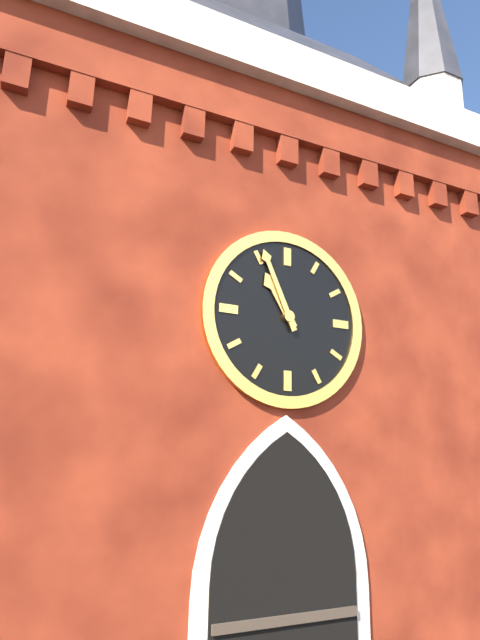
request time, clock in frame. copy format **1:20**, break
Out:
**10:56**
